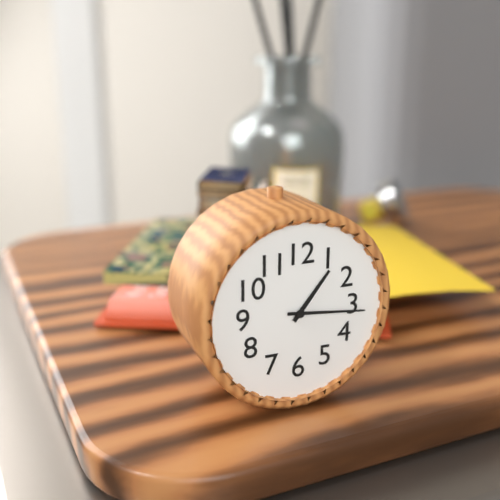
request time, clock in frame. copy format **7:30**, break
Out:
**1:16**
